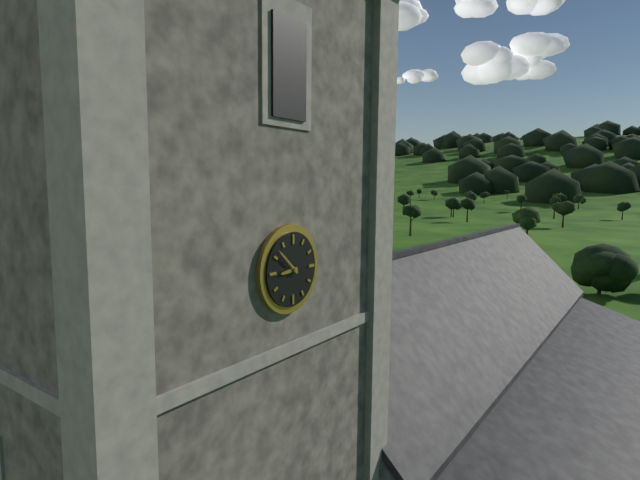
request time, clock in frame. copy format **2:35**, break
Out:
**8:52**
